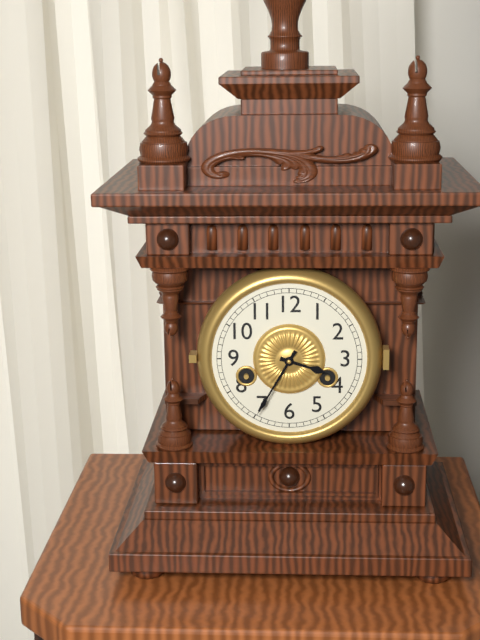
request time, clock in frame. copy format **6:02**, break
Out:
**3:35**
